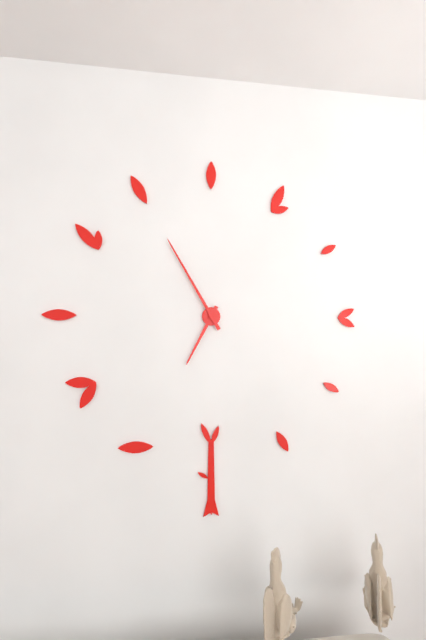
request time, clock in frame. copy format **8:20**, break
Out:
**6:55**
